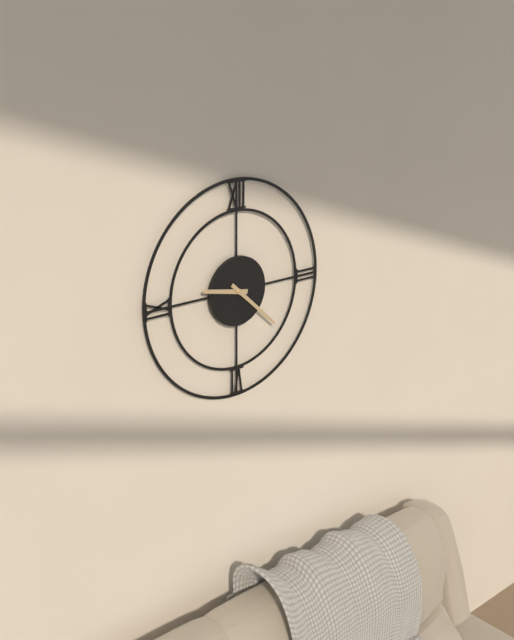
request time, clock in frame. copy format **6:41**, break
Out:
**9:22**
